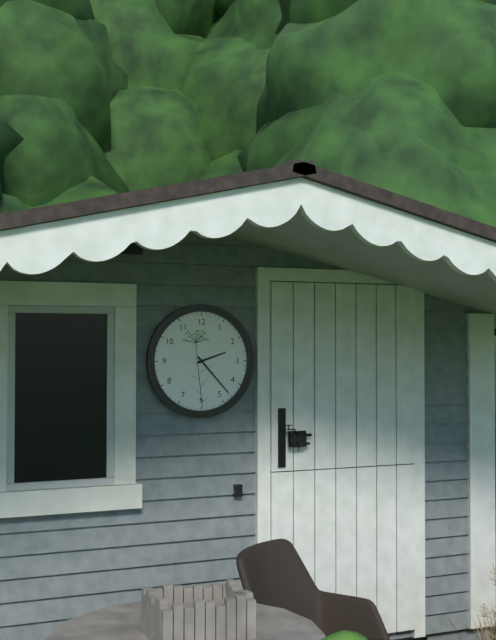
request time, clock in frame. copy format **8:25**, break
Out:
**2:23**
